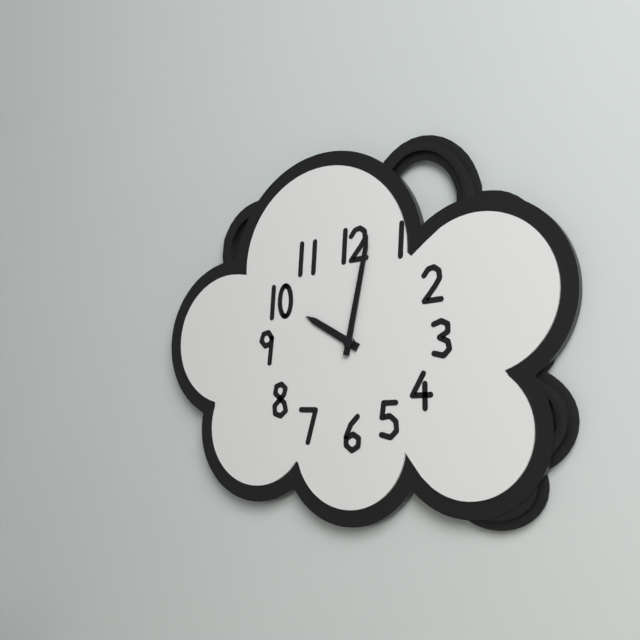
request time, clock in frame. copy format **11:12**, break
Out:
**10:02**
